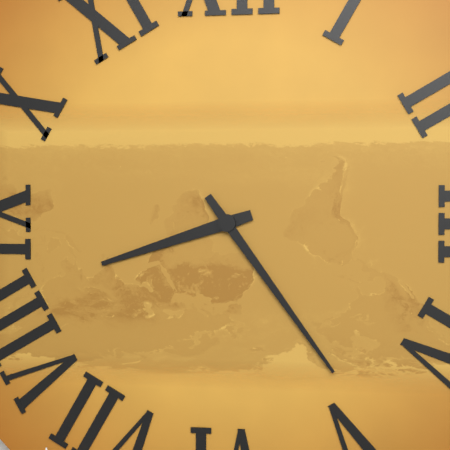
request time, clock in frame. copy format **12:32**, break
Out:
**8:24**
